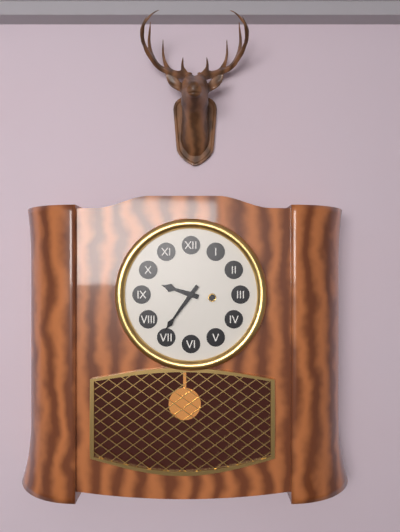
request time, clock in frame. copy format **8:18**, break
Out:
**9:36**
